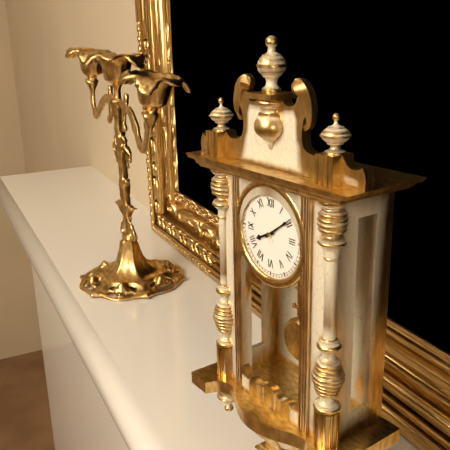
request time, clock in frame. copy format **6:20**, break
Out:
**8:09**
